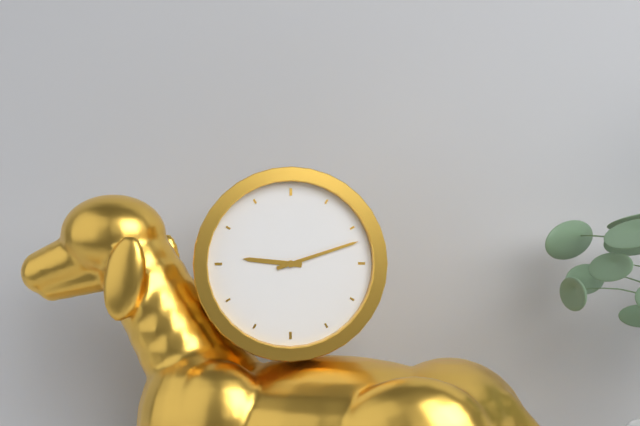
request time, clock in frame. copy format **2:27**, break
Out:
**9:12**
